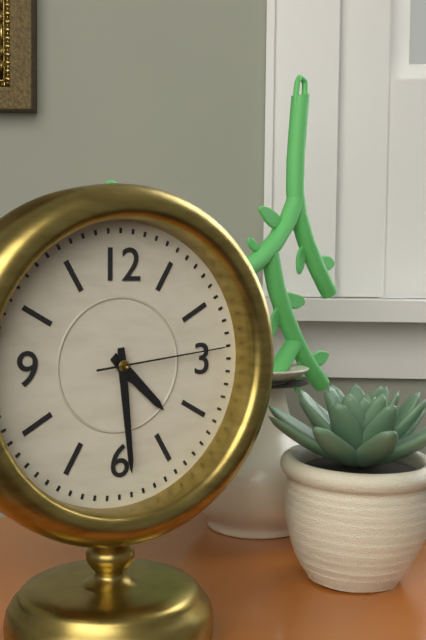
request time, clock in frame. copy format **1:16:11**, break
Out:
**4:29:14**
